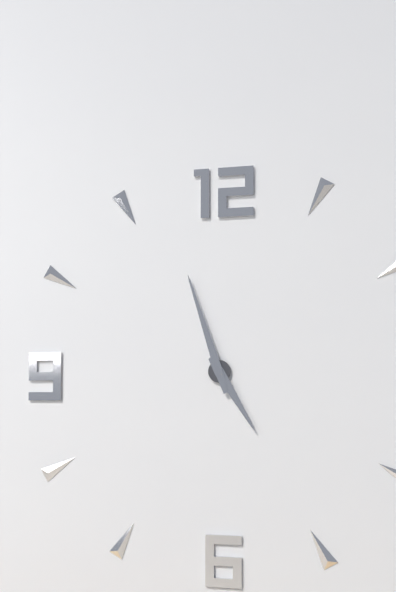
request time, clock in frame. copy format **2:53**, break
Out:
**4:57**
